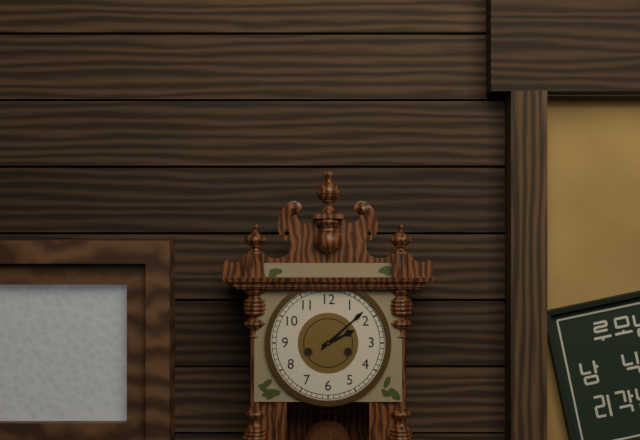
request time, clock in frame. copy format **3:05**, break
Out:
**2:08**
